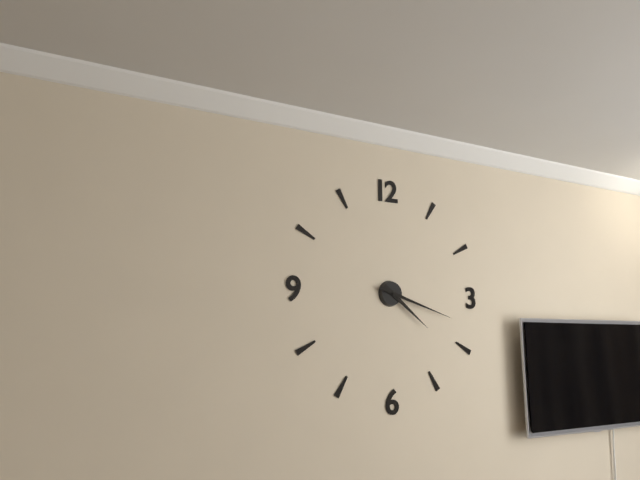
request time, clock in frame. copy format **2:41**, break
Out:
**4:18**
